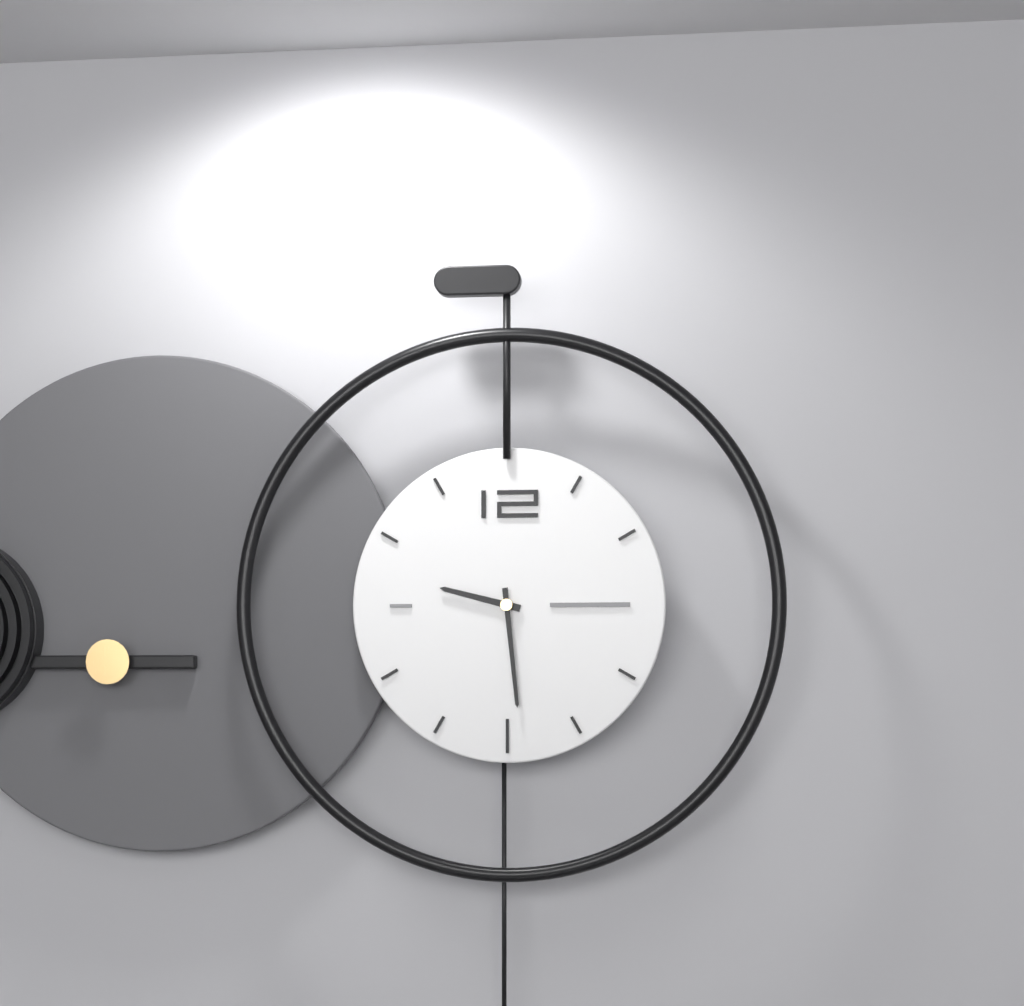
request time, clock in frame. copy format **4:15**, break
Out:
**9:29**
